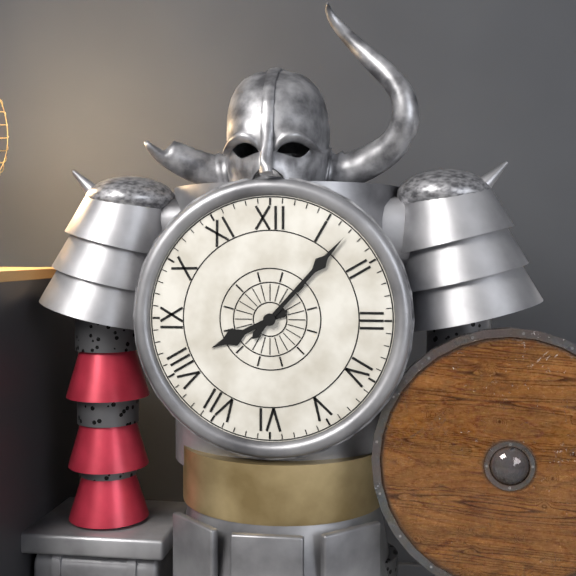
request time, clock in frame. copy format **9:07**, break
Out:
**8:07**
